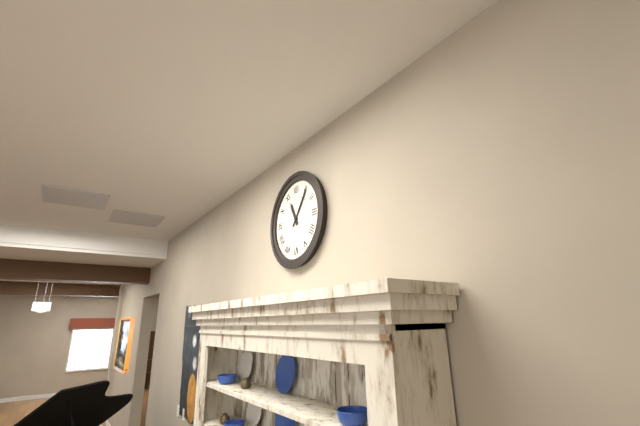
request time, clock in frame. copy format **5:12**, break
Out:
**11:06**
